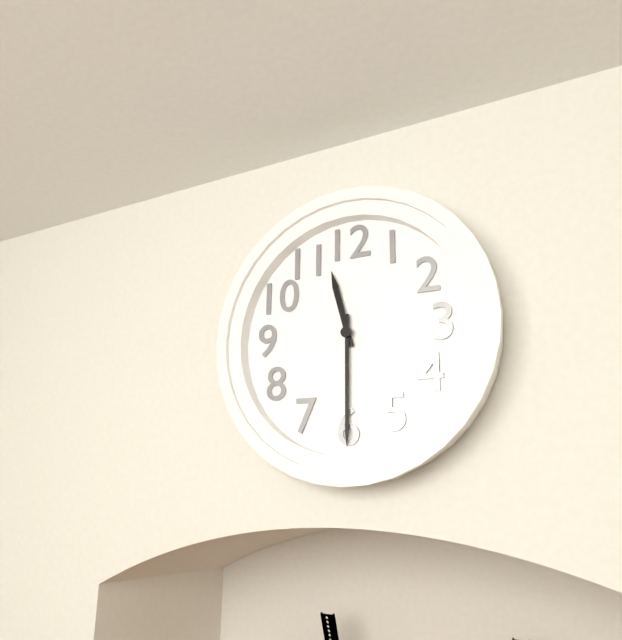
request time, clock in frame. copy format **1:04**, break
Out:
**11:30**
